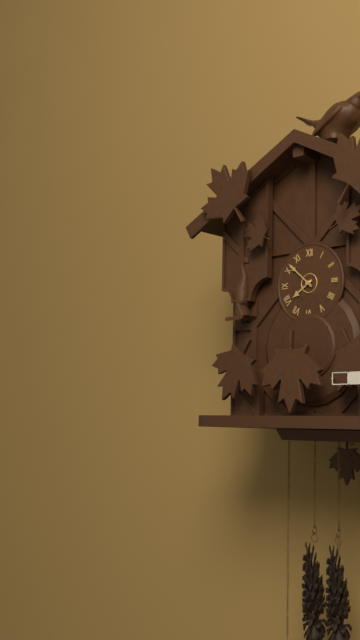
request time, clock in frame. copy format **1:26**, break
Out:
**7:52**
